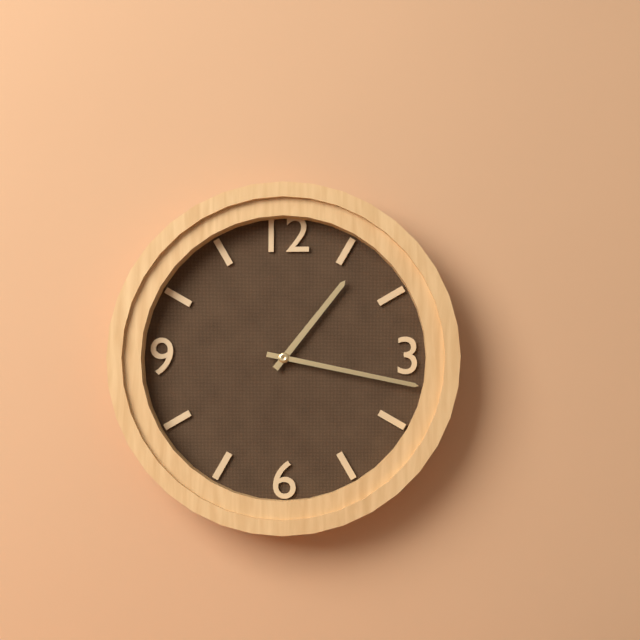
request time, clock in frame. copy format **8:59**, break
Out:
**1:17**
